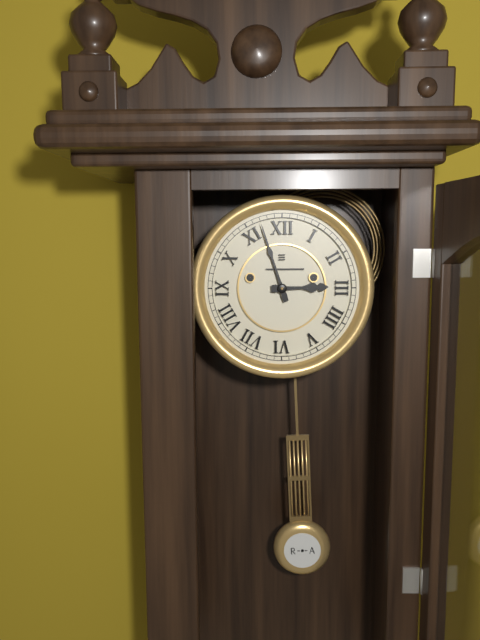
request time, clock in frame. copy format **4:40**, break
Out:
**2:57**
